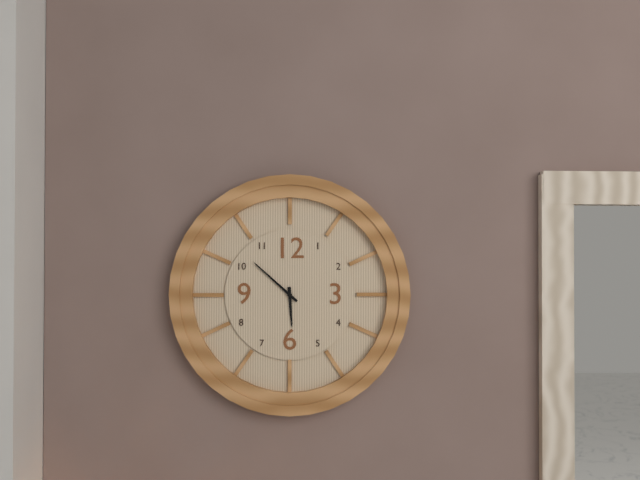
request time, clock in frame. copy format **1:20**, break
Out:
**5:52**
